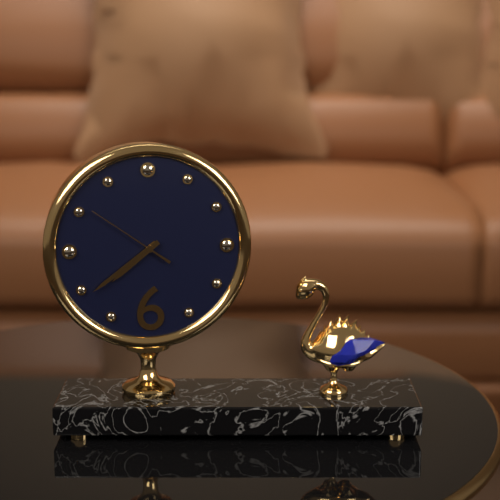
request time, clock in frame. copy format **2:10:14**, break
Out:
**7:39:51**
